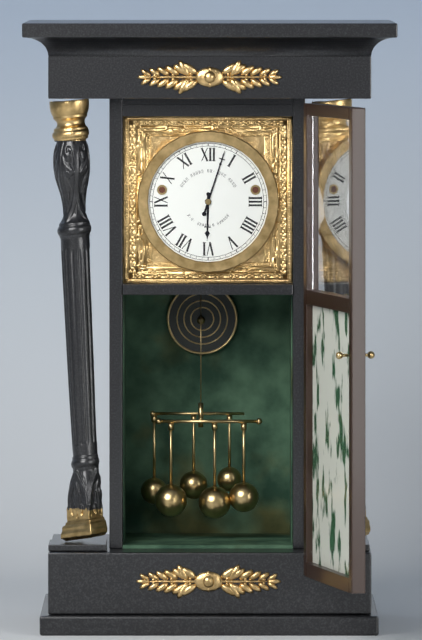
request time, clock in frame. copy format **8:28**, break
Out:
**6:03**
